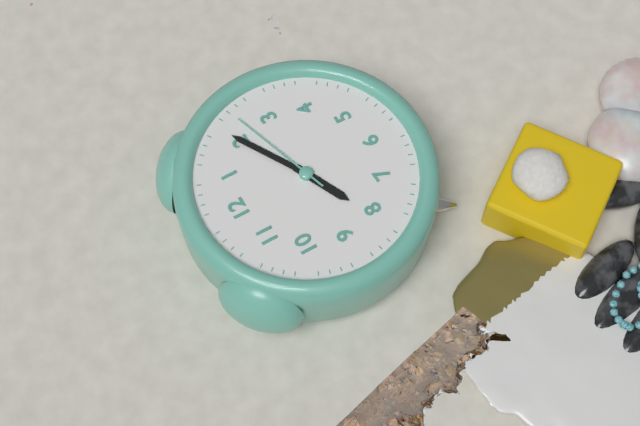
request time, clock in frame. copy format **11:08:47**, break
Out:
**8:10:12**
